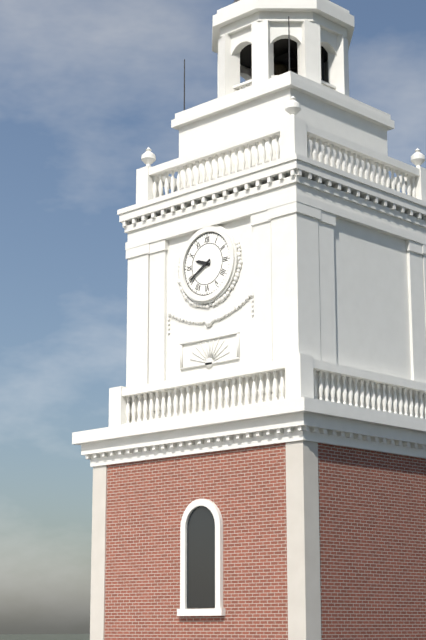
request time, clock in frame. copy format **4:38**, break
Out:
**9:40**
